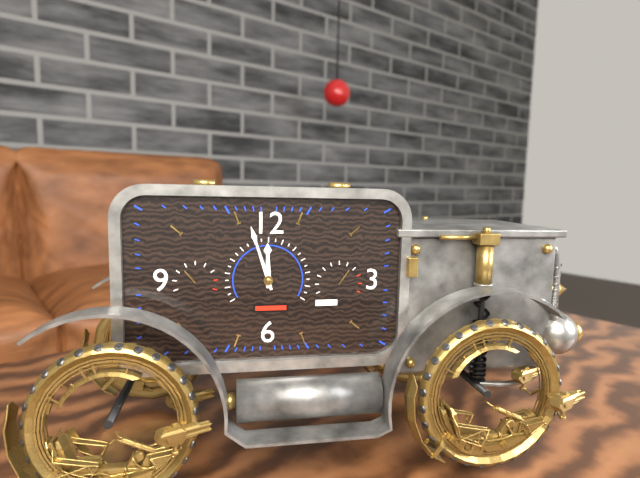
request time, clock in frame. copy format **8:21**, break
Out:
**11:57**
